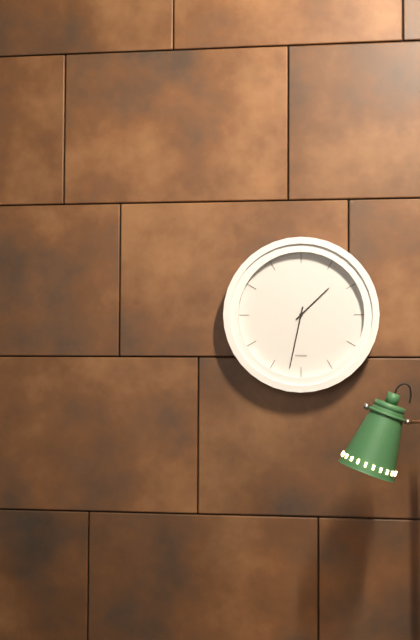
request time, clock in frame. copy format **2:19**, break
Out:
**1:32**
